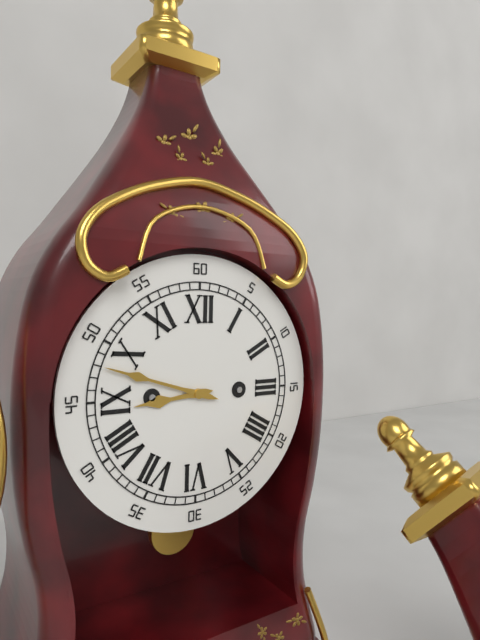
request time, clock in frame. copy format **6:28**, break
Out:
**8:48**
